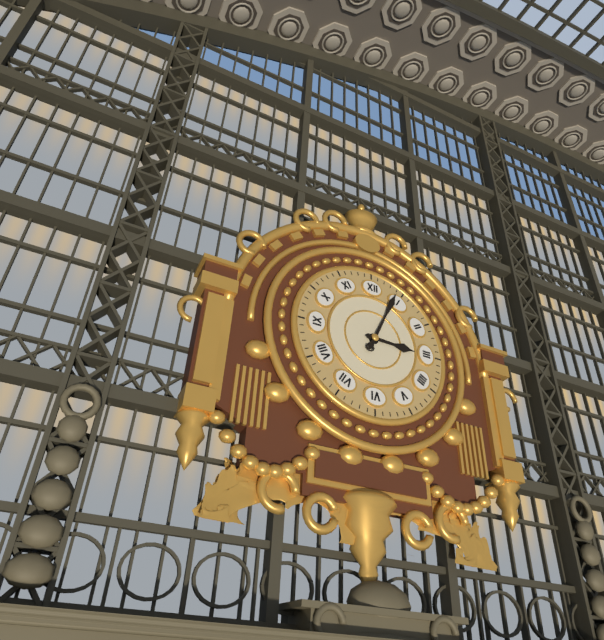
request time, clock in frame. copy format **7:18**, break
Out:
**3:04**
